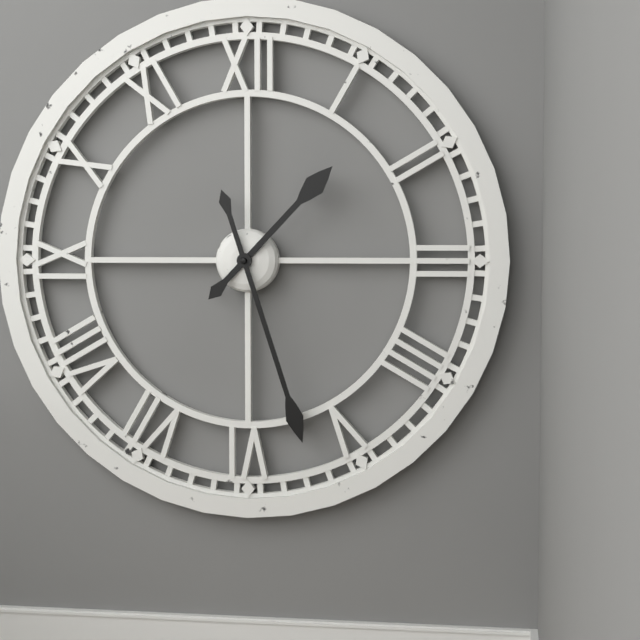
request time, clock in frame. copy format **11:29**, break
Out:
**1:27**
